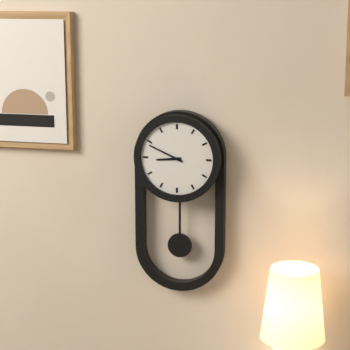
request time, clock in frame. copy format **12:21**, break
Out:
**8:49**
